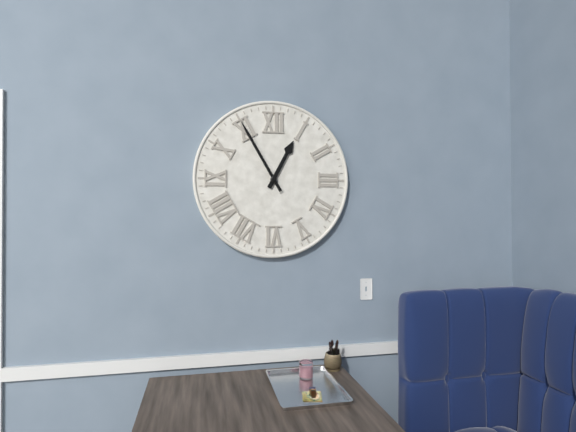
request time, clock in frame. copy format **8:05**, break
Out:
**12:55**
